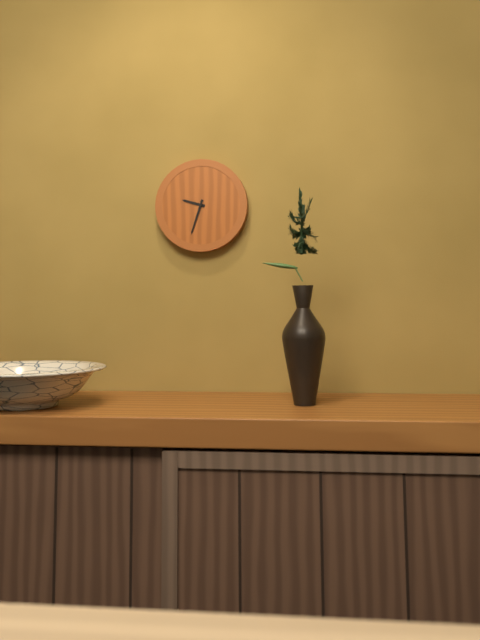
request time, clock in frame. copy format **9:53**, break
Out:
**9:33**
